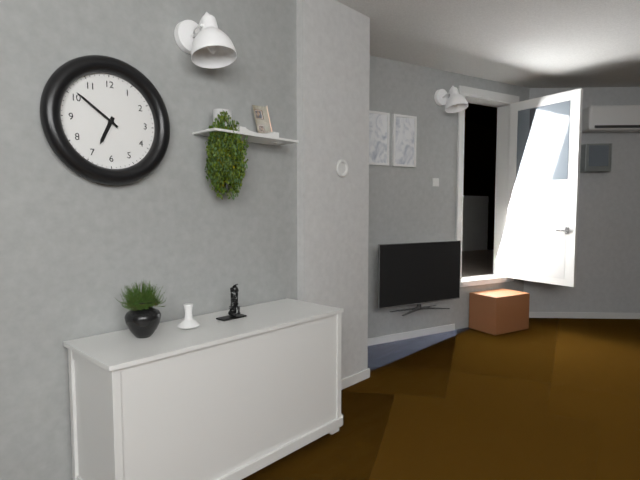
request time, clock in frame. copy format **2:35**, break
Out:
**6:51**
